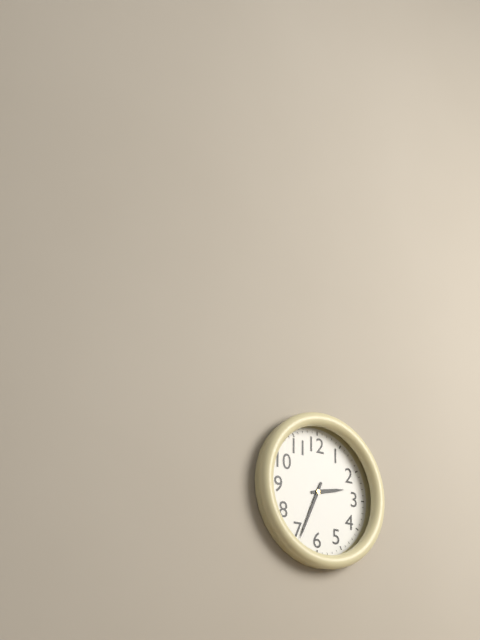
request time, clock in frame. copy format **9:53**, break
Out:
**2:34**
